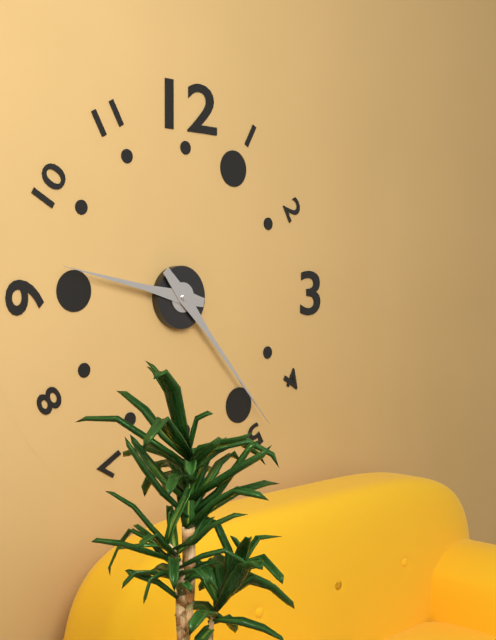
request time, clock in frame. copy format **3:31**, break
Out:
**9:23**
